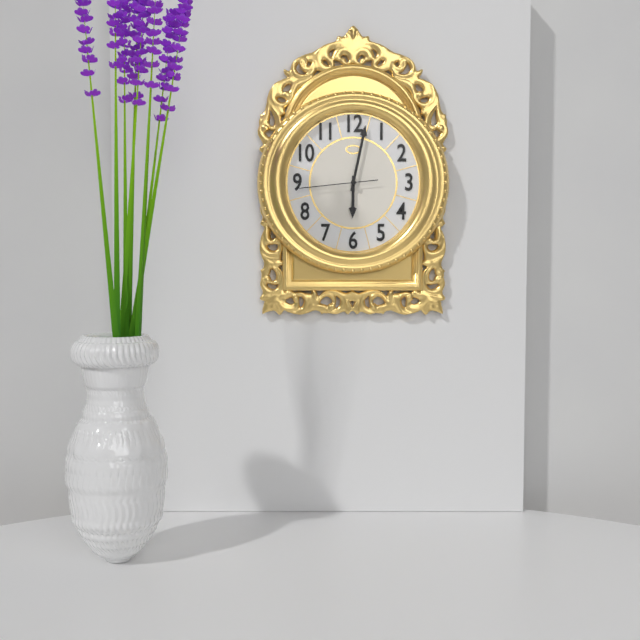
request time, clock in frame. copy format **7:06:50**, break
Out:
**6:02:44**
